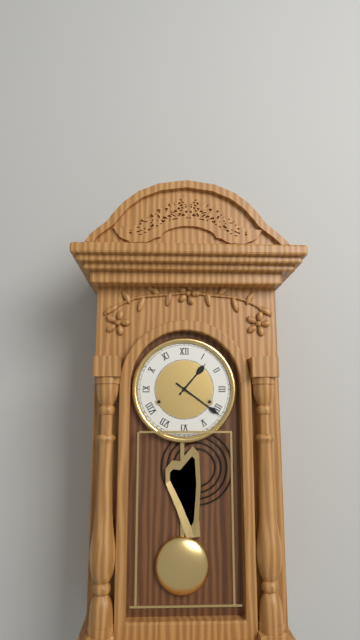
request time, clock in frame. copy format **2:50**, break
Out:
**1:21**
